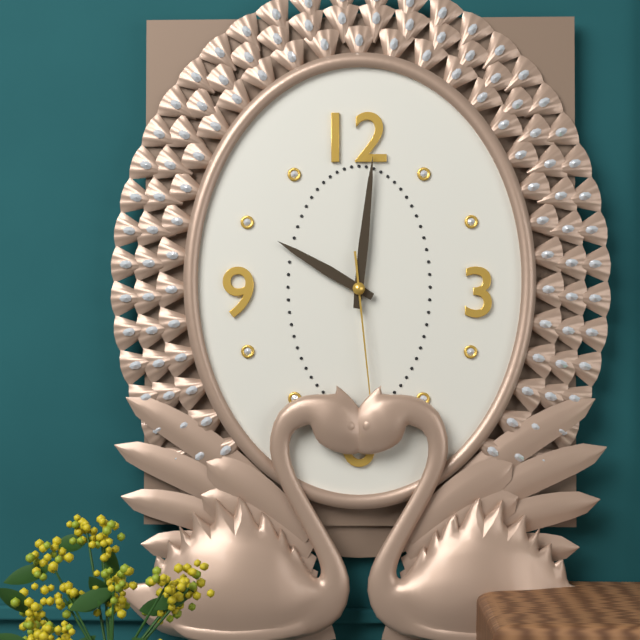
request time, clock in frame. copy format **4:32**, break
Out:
**10:01**
